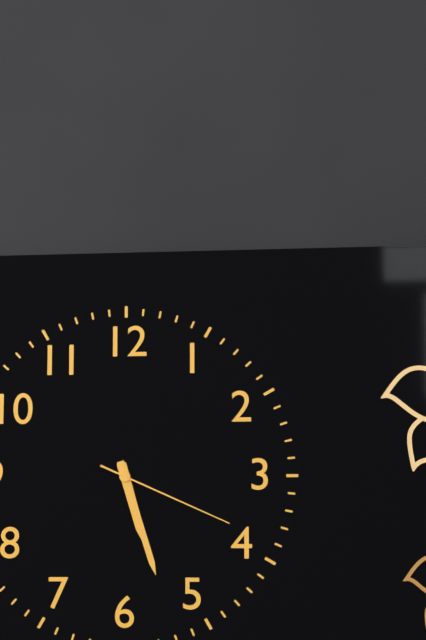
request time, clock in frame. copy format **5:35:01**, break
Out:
**5:27:19**
